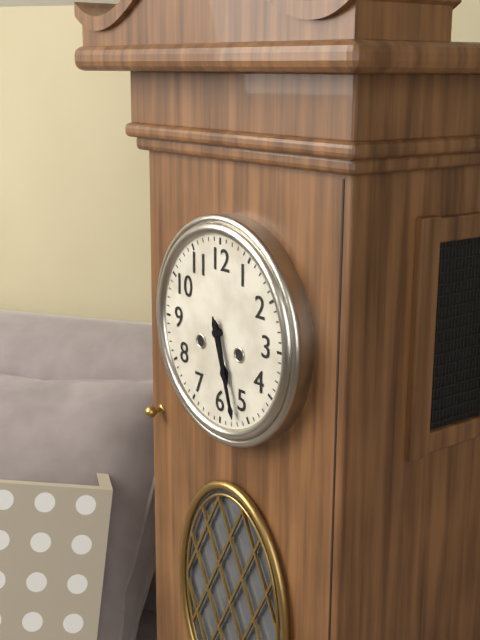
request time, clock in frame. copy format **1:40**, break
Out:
**5:27**
